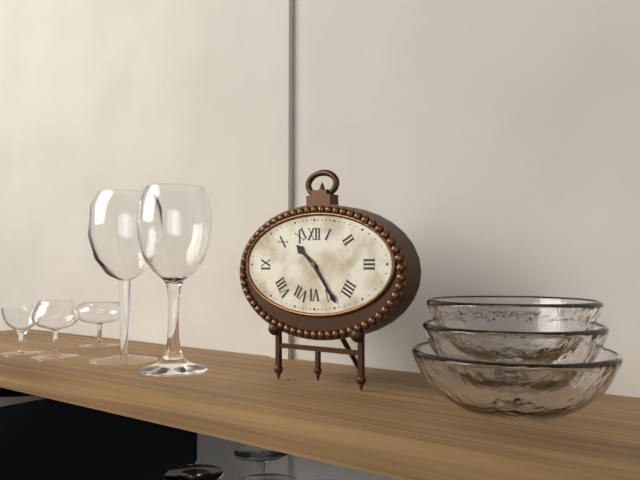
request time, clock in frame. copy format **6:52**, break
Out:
**10:24**
